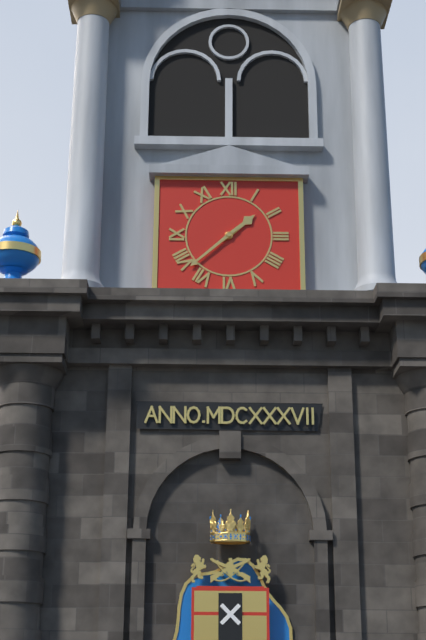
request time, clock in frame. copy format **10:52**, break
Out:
**1:38**
